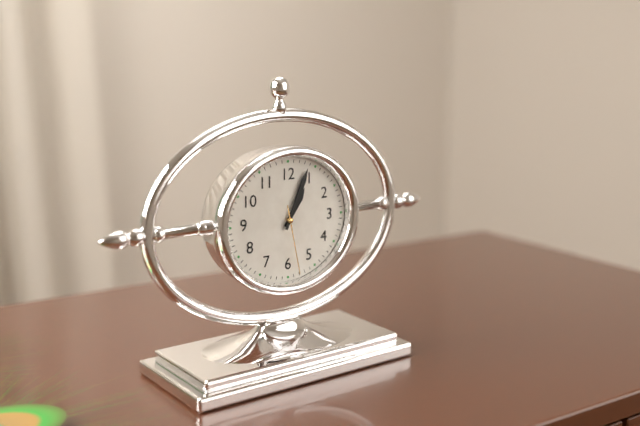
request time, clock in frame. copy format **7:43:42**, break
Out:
**1:04:28**
